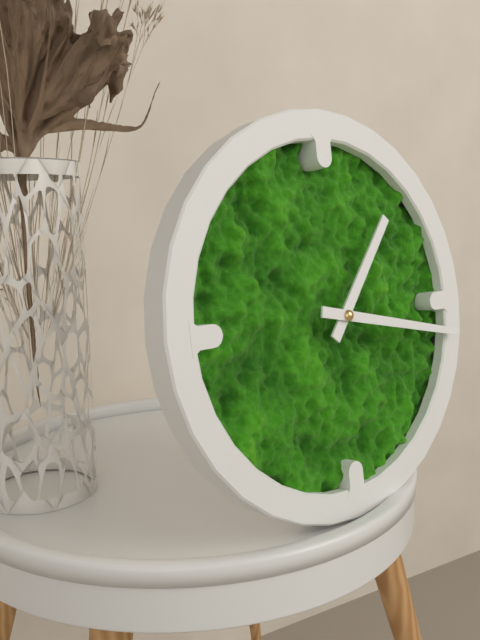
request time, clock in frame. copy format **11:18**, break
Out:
**1:17**
